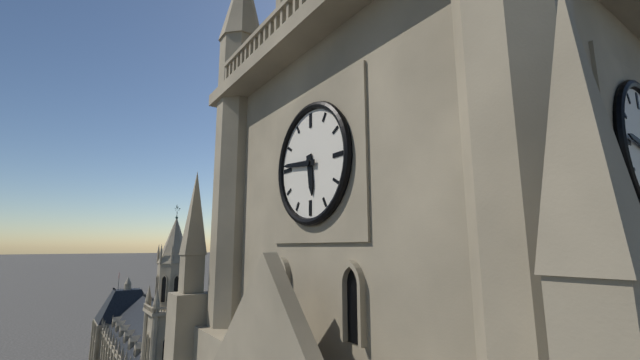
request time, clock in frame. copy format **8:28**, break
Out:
**5:46**
